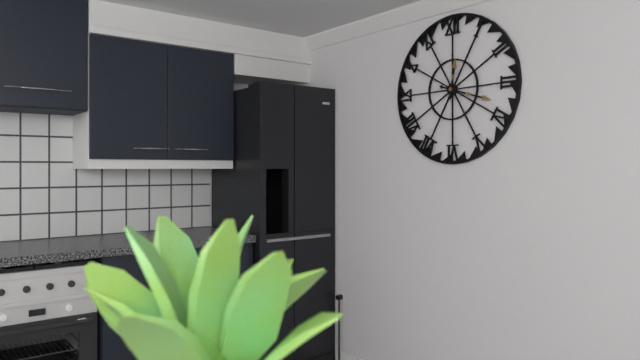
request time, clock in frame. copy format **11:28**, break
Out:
**12:18**
